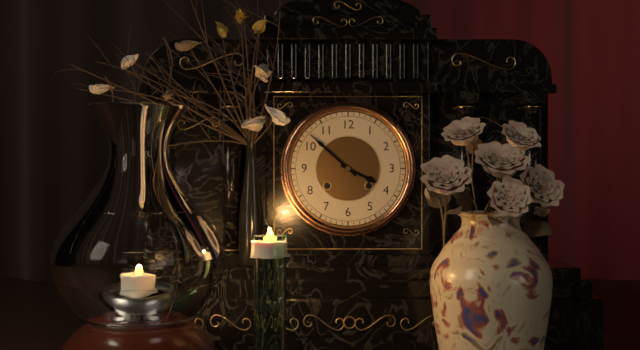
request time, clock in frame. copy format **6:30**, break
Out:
**3:52**
